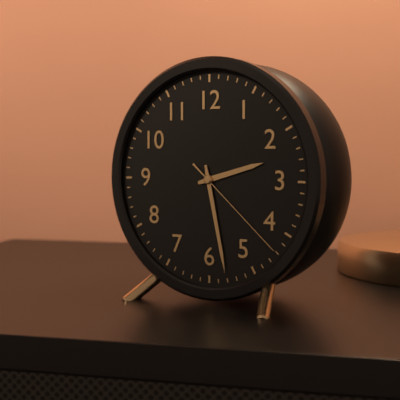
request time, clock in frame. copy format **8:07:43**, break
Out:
**2:28:22**
